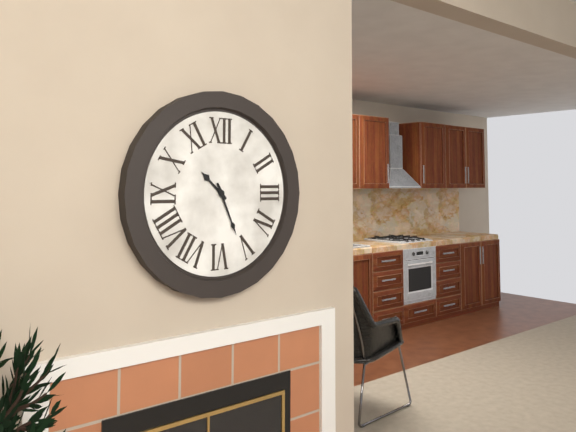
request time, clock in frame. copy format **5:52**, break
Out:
**10:26**
